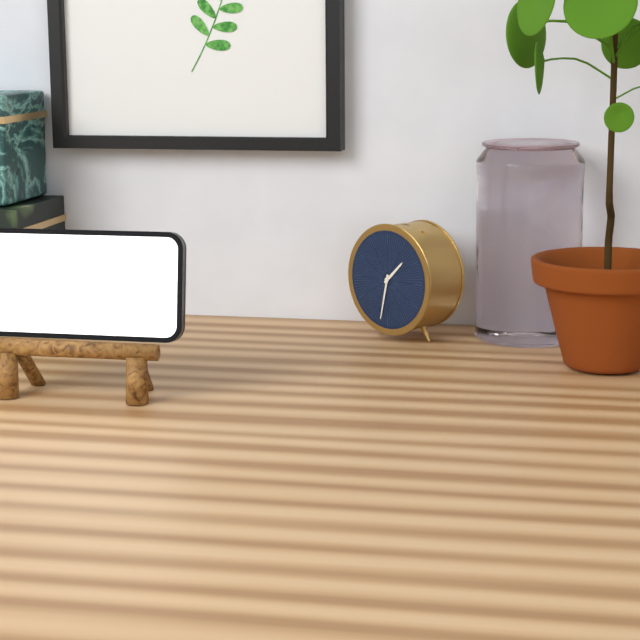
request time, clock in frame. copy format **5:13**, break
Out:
**1:32**
